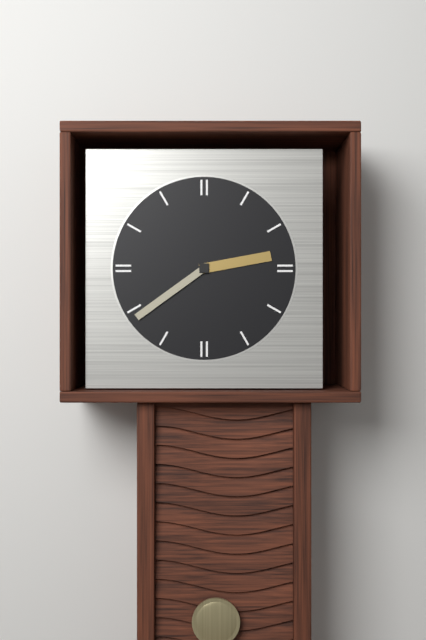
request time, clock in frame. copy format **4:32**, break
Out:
**2:39**
